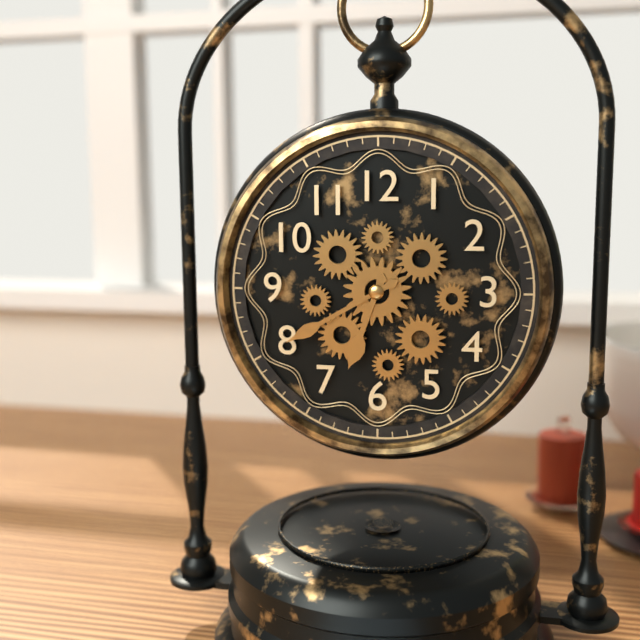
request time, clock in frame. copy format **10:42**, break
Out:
**6:40**
